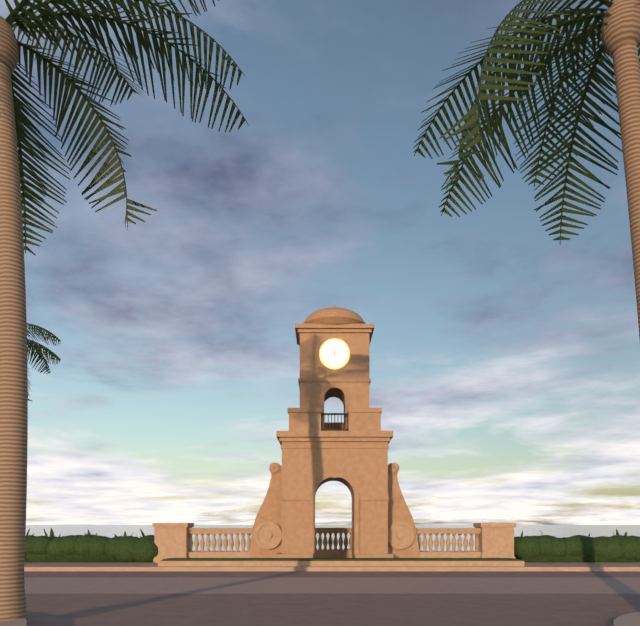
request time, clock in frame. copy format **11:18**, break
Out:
**12:04**
